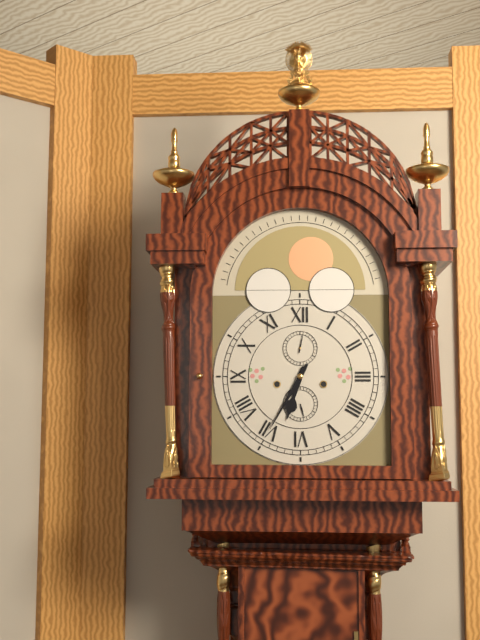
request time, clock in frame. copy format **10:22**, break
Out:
**6:35**
